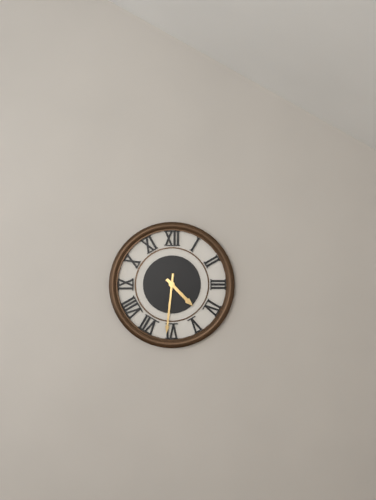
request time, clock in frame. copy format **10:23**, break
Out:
**4:31**
